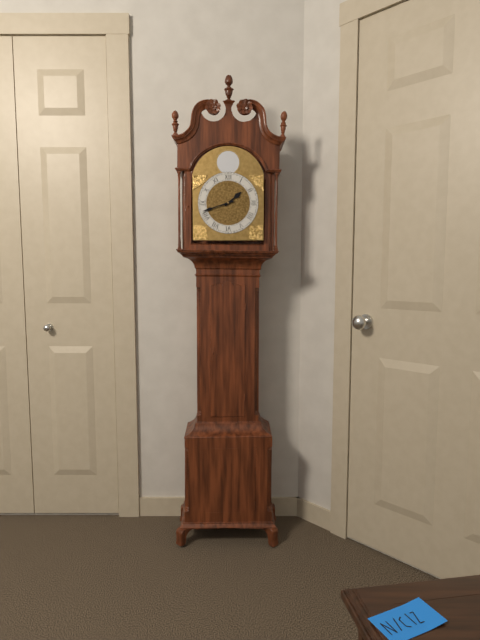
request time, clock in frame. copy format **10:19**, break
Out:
**1:42**
